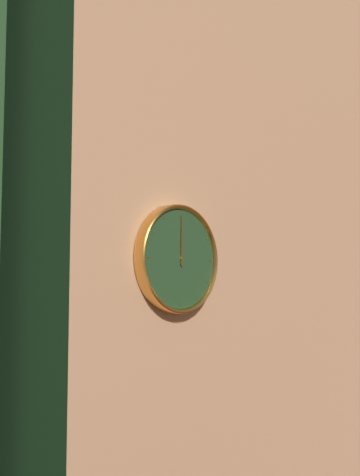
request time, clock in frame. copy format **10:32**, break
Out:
**12:00**
